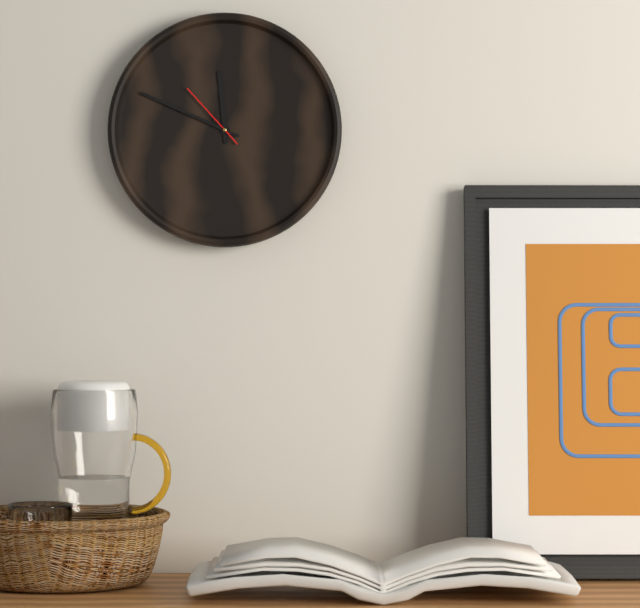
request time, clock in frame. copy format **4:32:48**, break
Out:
**11:49:53**
